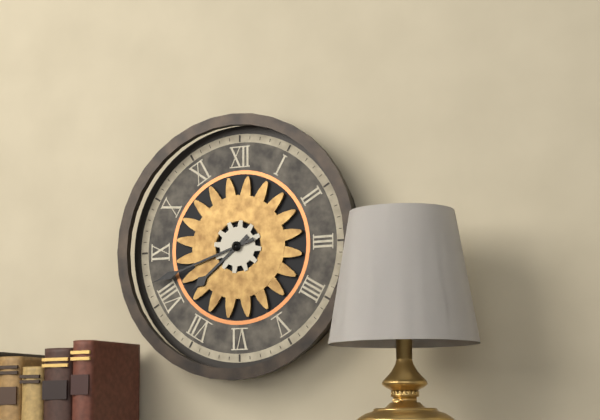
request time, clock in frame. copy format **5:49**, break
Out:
**7:42**
